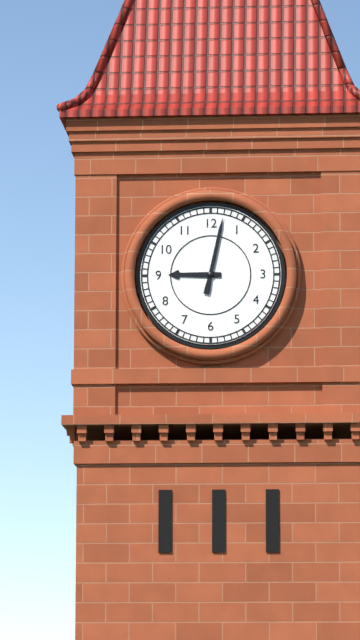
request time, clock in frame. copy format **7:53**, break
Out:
**9:02**
